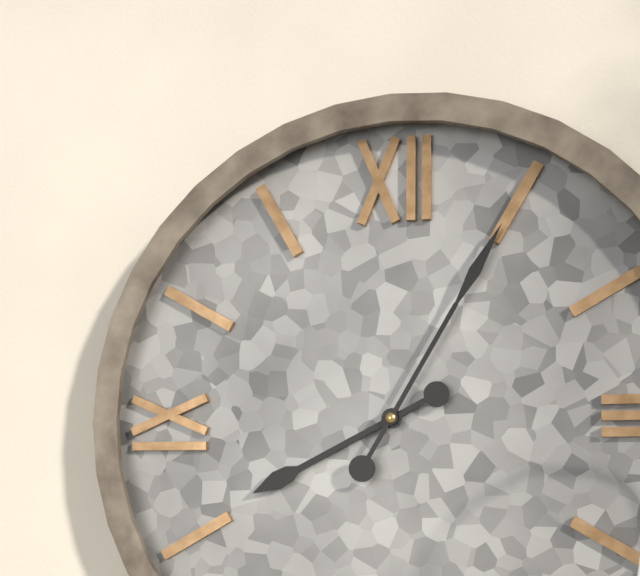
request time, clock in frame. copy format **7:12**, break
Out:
**8:05**
